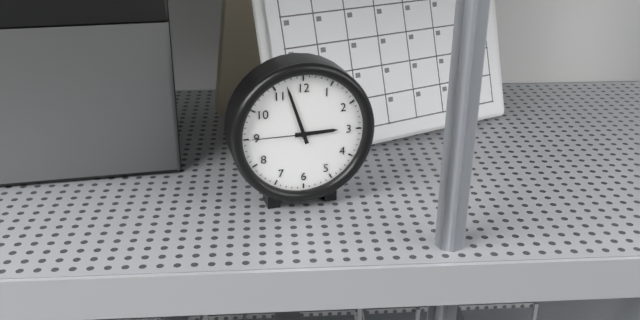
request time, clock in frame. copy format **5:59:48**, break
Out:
**2:57:45**
